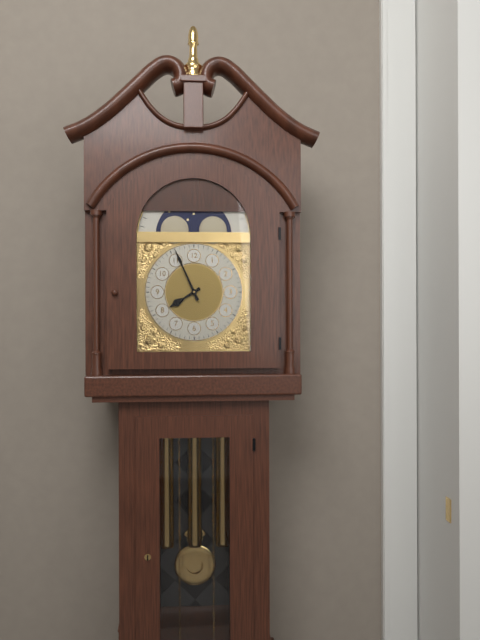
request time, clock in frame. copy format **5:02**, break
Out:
**7:56**
